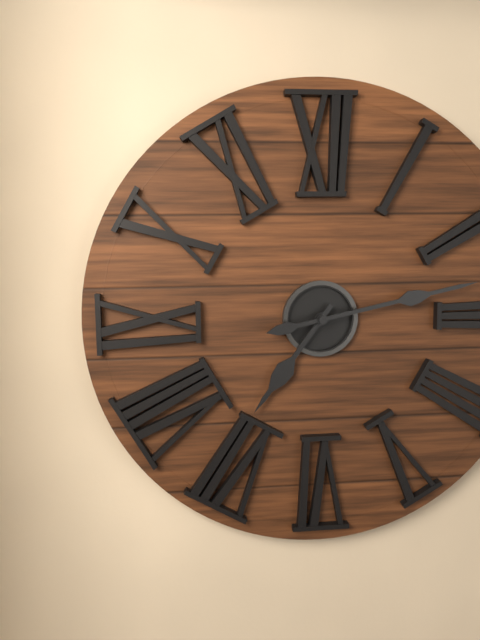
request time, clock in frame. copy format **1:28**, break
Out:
**7:13**
